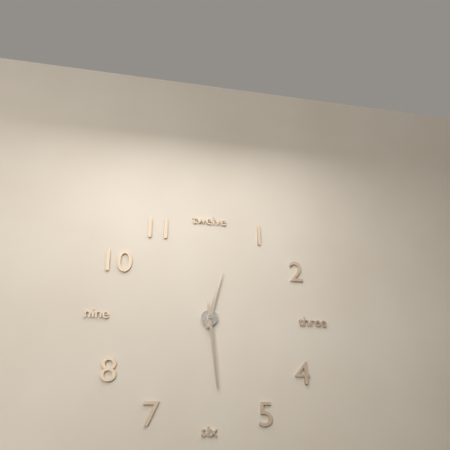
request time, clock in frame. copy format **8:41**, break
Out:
**12:29**
